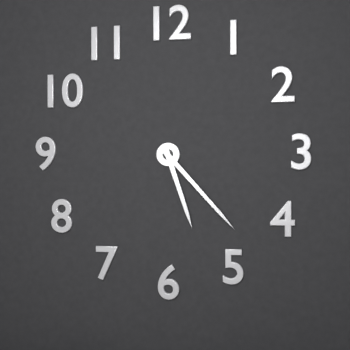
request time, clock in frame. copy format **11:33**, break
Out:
**5:23**
